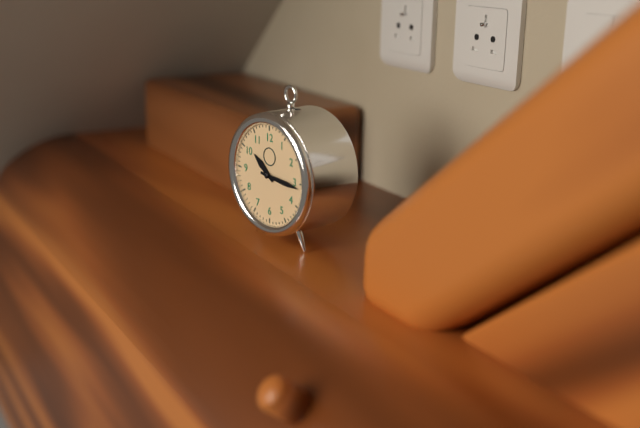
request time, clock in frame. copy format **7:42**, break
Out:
**10:16**
